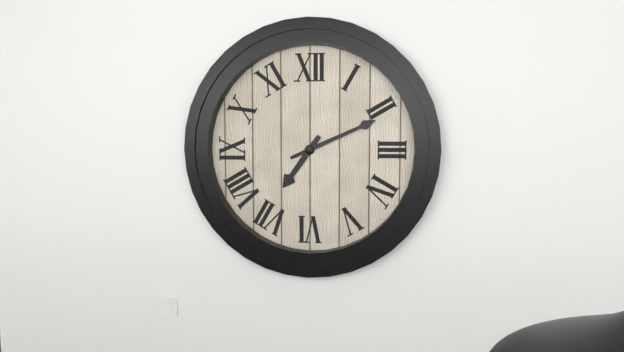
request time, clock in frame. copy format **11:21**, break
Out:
**7:11**
